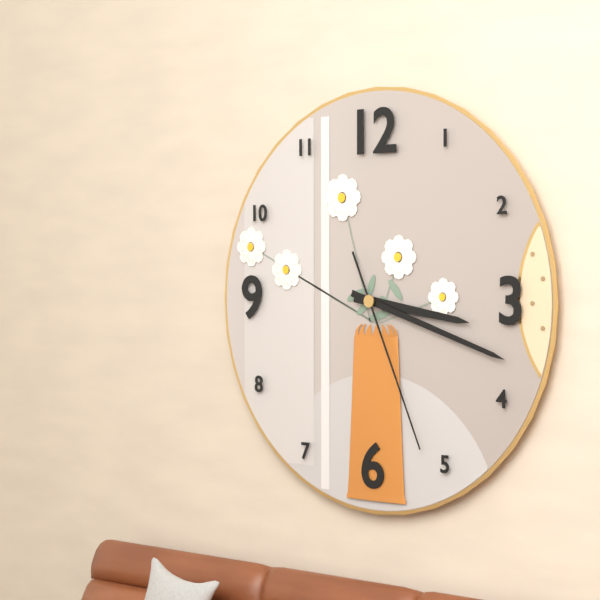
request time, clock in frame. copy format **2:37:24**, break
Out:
**3:18:26**
